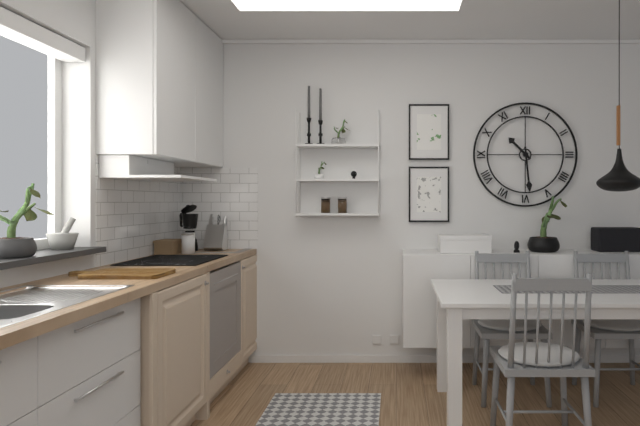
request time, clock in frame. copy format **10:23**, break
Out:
**10:29**
